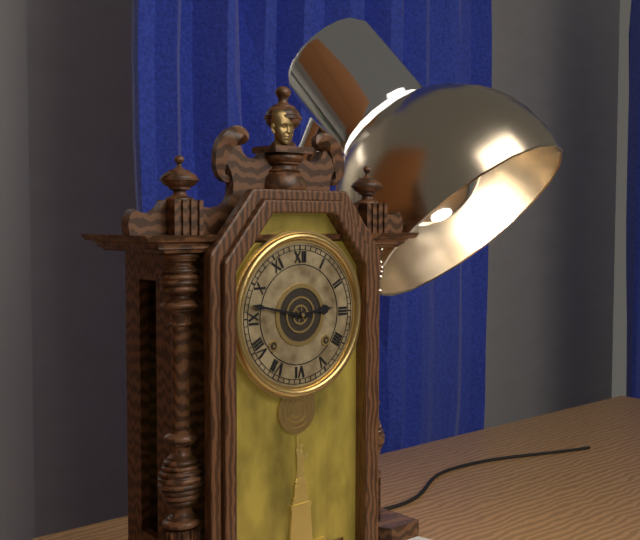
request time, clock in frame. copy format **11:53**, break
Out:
**2:47**
